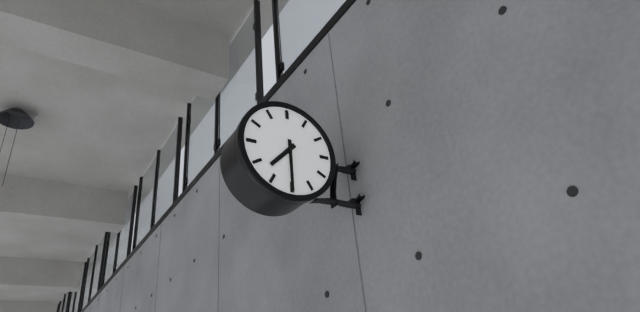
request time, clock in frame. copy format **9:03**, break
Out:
**7:30**
